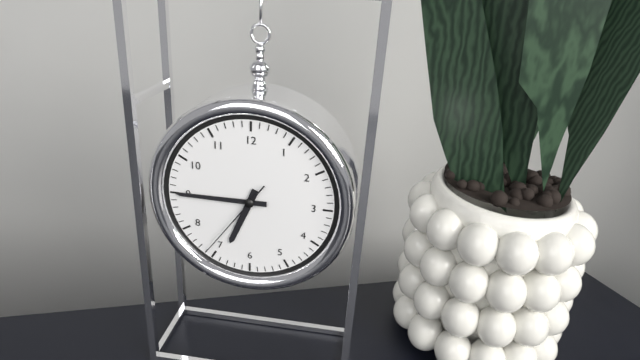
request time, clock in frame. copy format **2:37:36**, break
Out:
**6:45:36**
